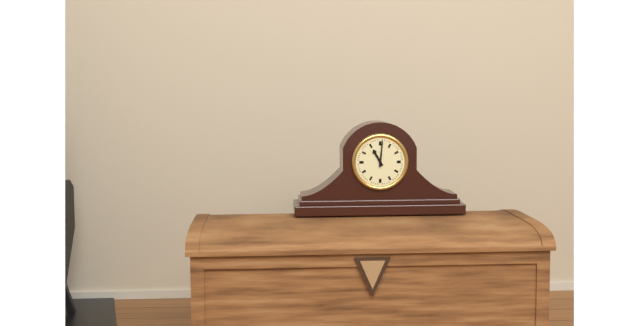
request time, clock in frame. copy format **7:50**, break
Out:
**11:01**
